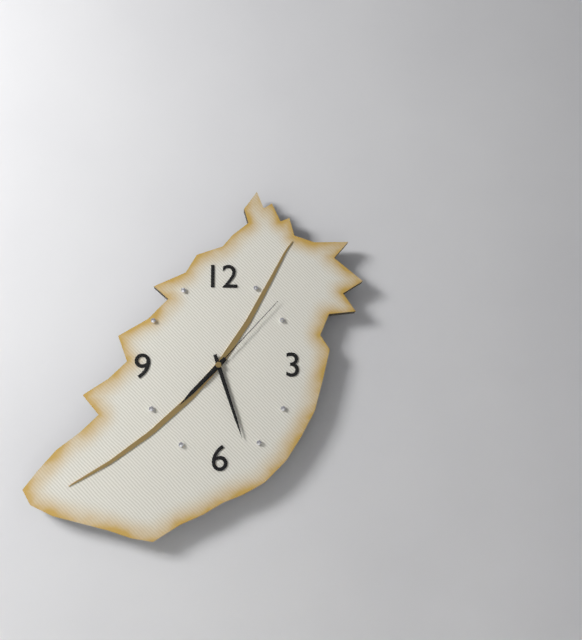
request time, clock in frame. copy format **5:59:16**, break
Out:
**7:27:07**
